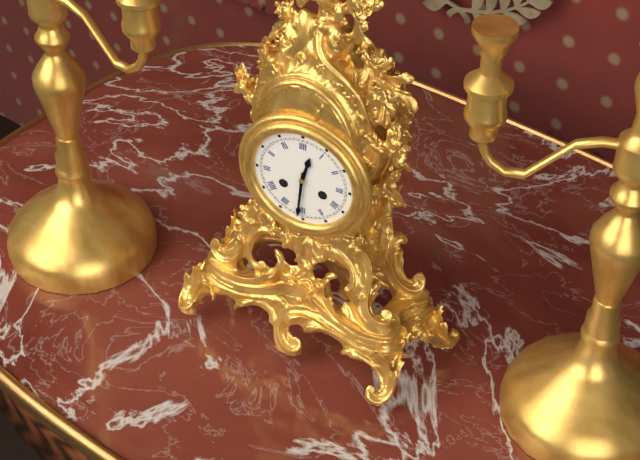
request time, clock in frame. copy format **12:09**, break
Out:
**12:31**
